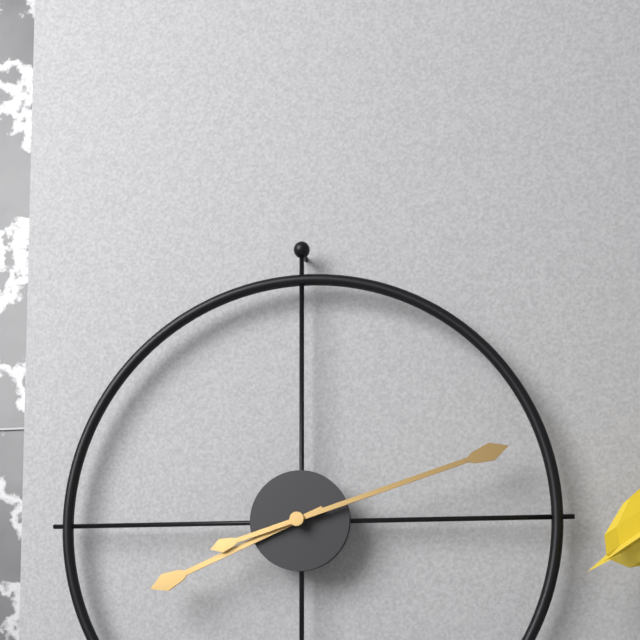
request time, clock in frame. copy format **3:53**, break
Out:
**8:12**
